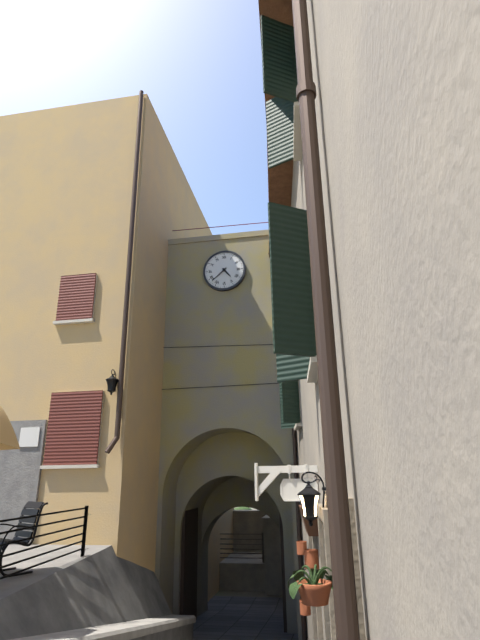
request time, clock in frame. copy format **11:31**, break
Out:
**4:38**
